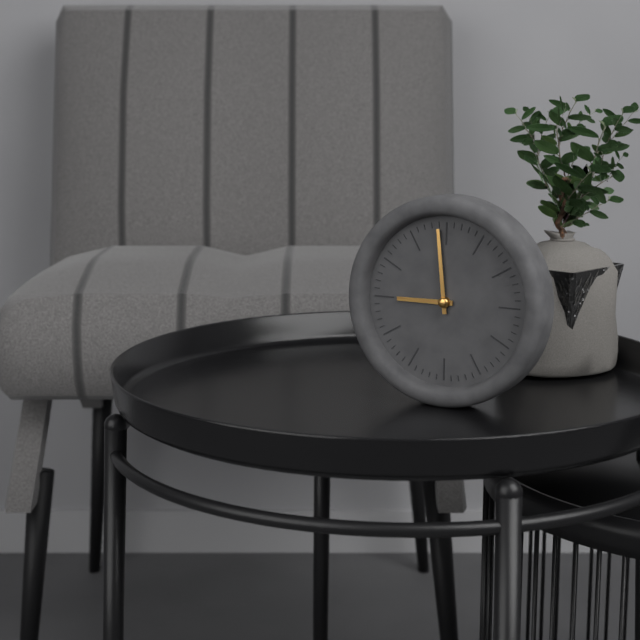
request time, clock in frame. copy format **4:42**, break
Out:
**8:59**
